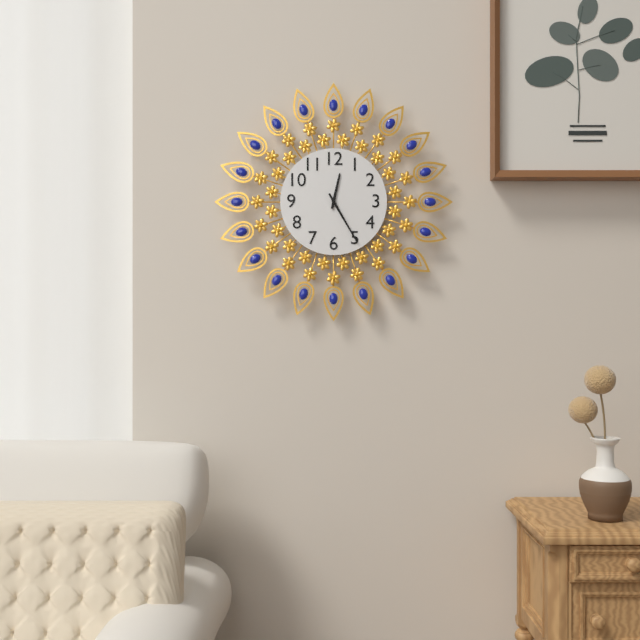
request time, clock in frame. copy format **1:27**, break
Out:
**12:25**
